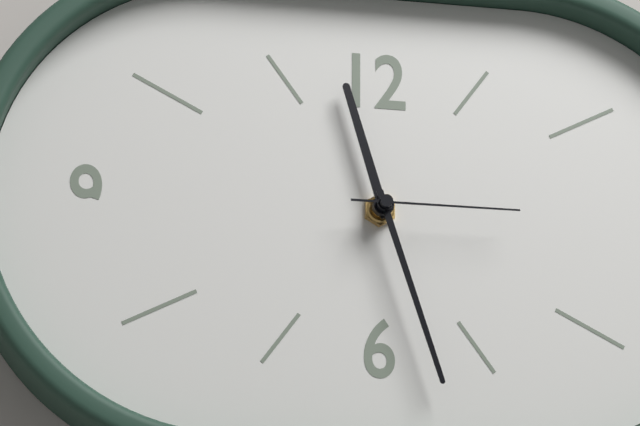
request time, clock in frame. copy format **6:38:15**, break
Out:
**11:27:15**
